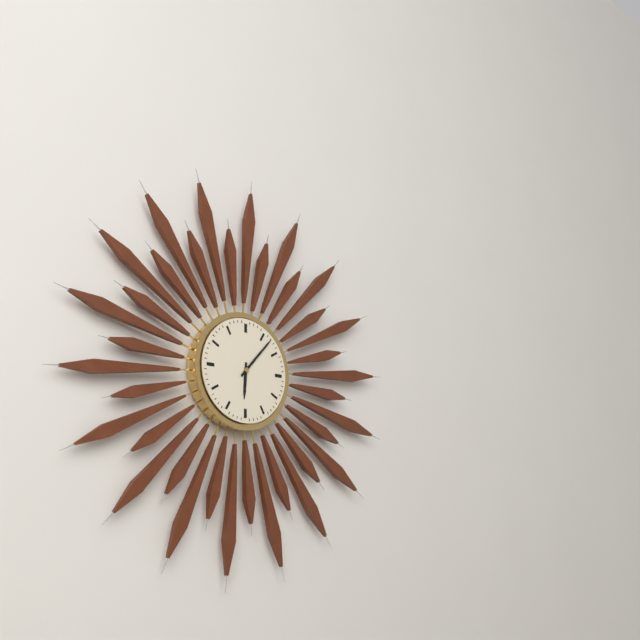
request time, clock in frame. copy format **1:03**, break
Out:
**6:07**
